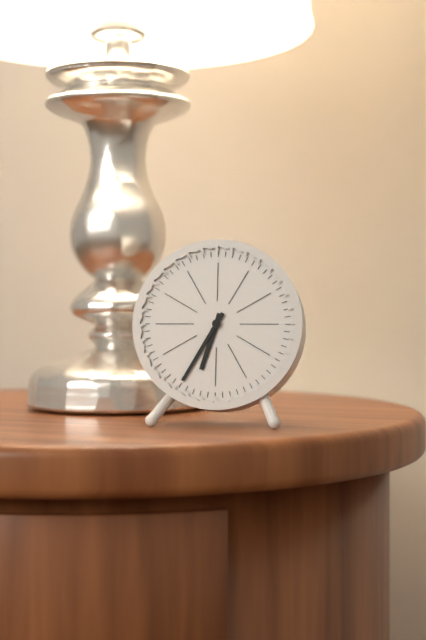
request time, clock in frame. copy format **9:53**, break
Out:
**6:35**
